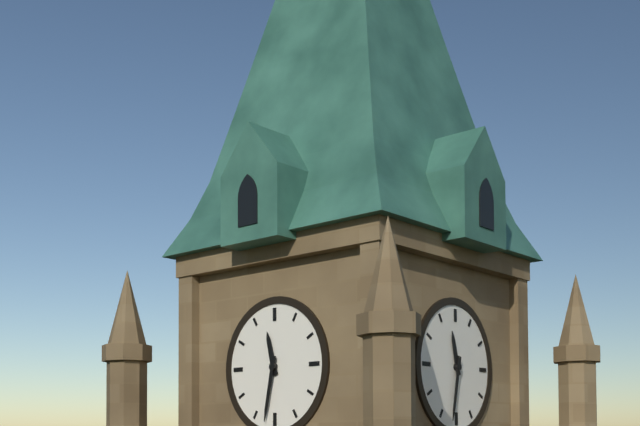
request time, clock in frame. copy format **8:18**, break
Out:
**11:32**
